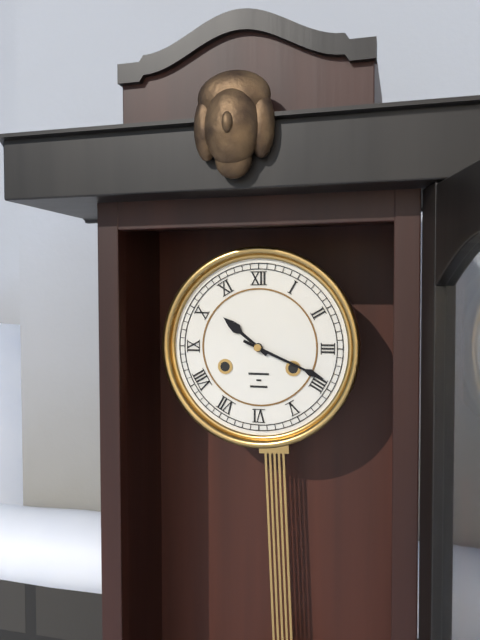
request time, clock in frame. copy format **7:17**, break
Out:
**10:19**
